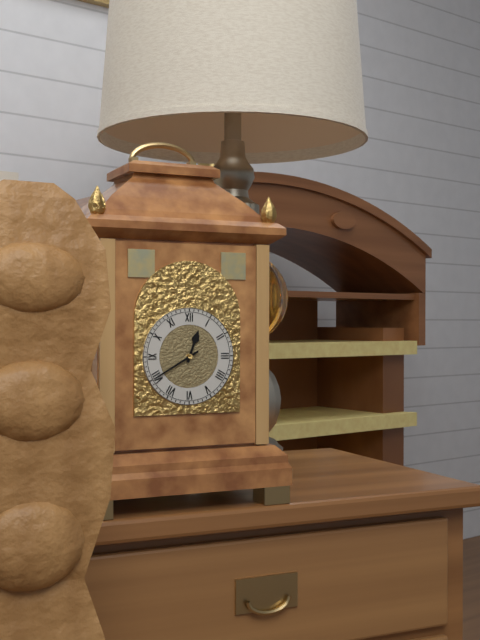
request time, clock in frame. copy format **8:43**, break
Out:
**12:40**
